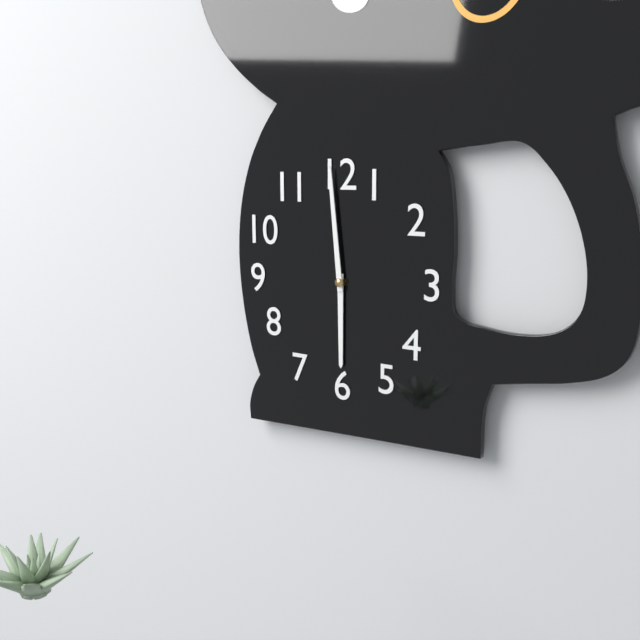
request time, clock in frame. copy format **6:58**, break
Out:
**5:59**
